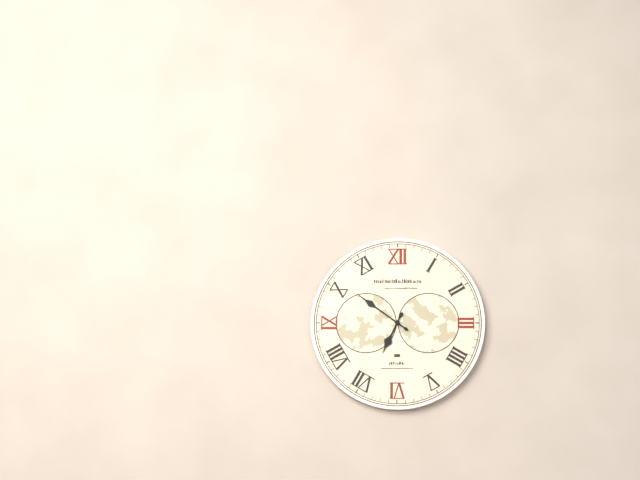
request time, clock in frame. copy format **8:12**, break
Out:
**6:51**
